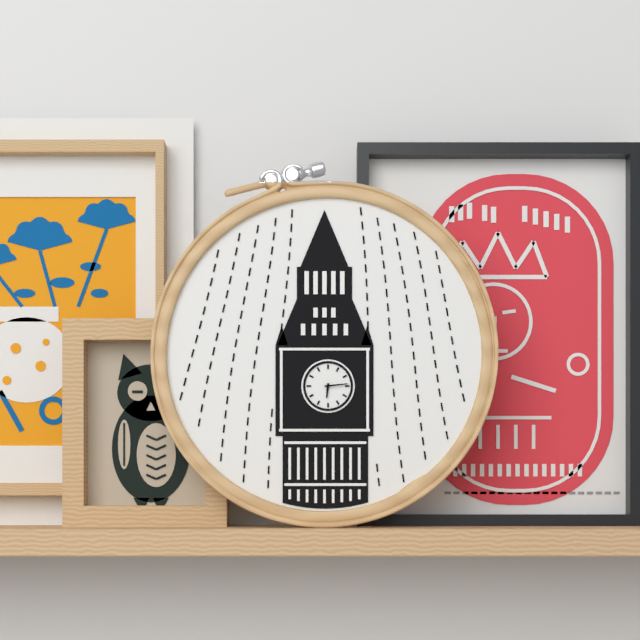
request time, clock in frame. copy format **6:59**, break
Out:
**6:14**
